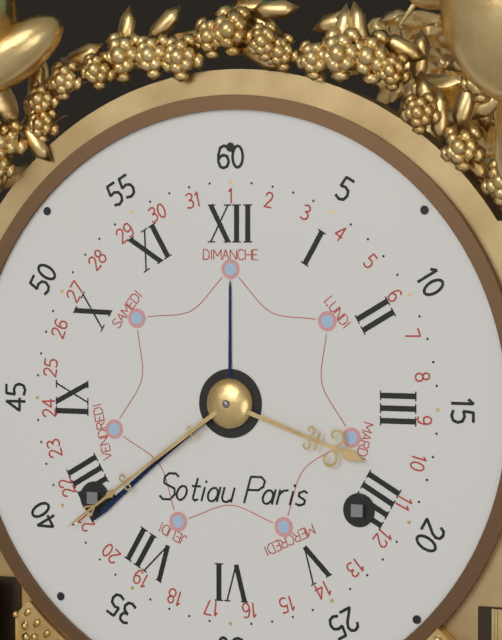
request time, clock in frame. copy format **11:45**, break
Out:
**3:39**
